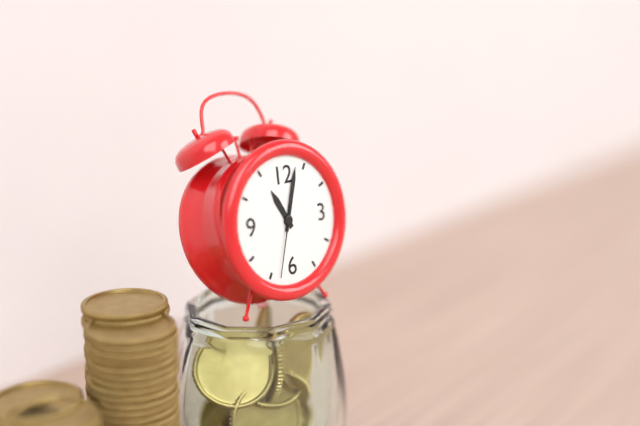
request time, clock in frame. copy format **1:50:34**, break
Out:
**11:03:33**
